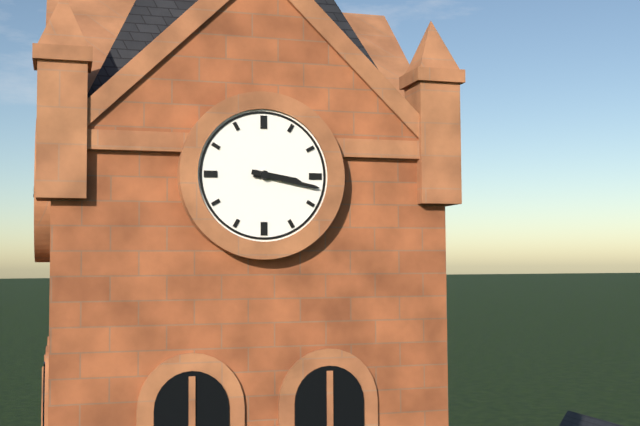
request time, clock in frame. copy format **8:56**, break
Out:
**3:17**
